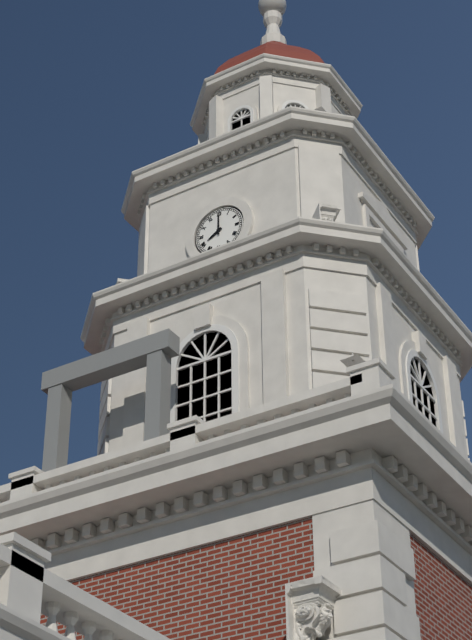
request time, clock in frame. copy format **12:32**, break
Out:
**8:00**
